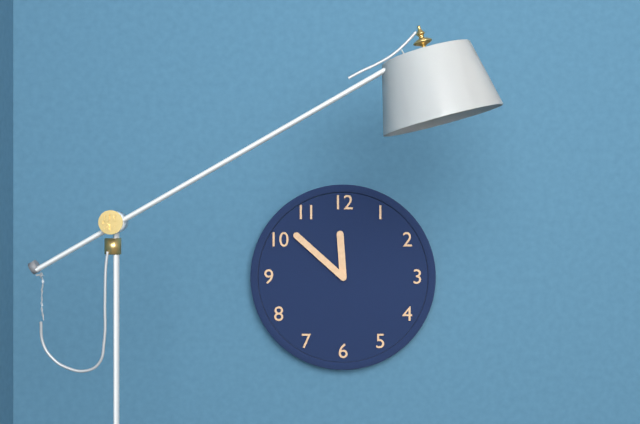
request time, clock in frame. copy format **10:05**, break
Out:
**11:52**
